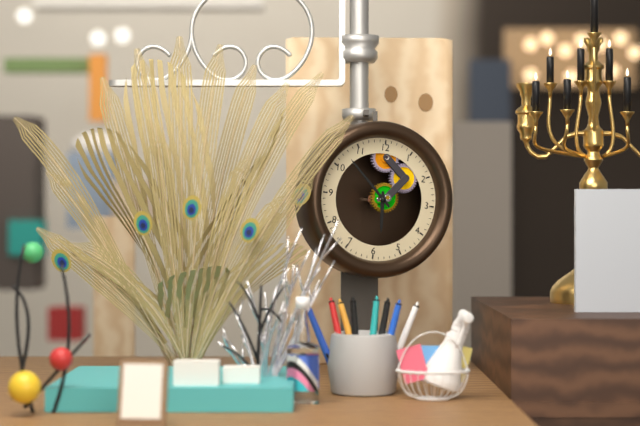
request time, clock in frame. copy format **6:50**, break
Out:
**5:52**
